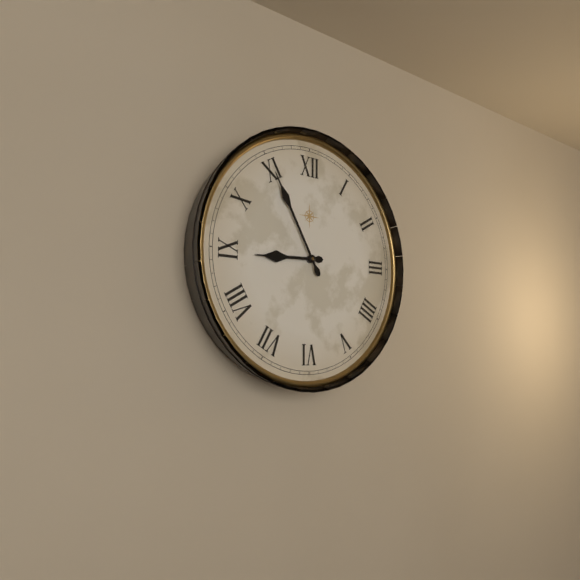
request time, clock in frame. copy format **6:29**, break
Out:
**8:55**
